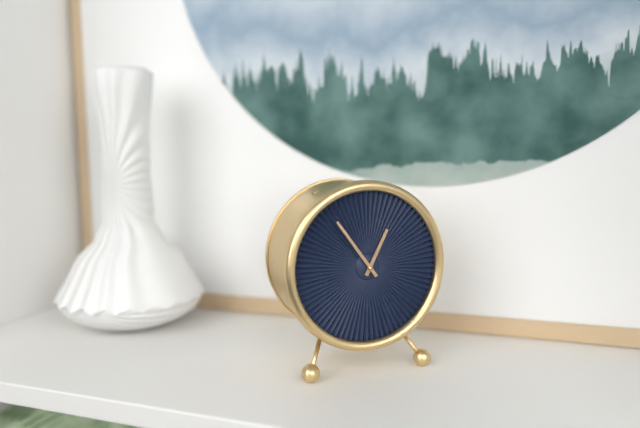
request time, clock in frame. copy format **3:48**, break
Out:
**12:54**
